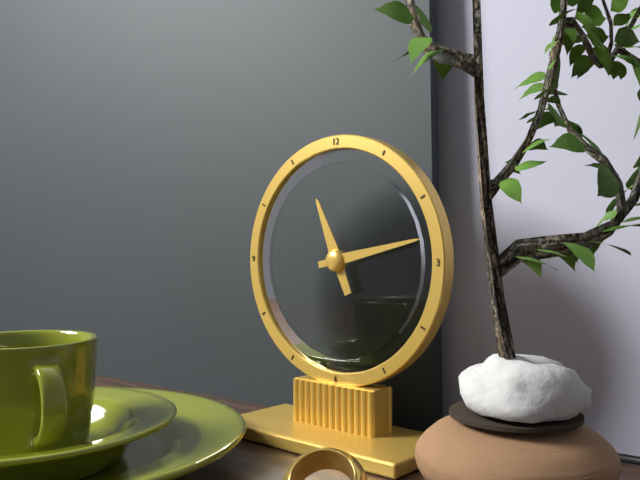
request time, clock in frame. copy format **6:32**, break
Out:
**11:13**
